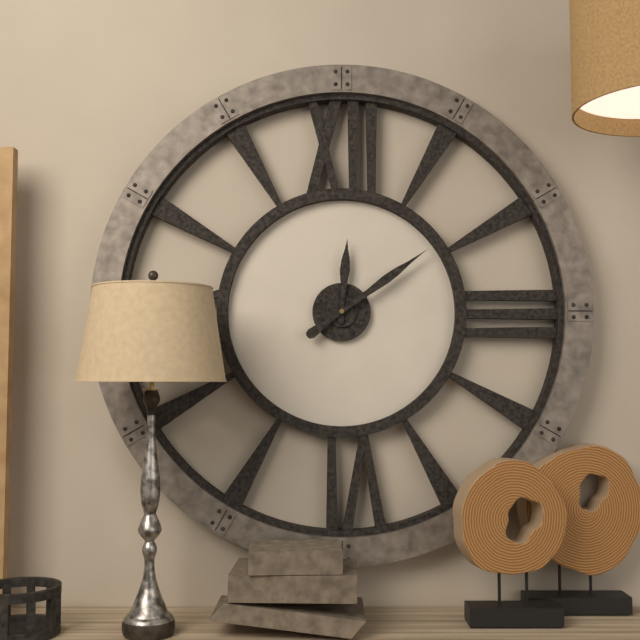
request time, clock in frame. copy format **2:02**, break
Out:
**12:09**
